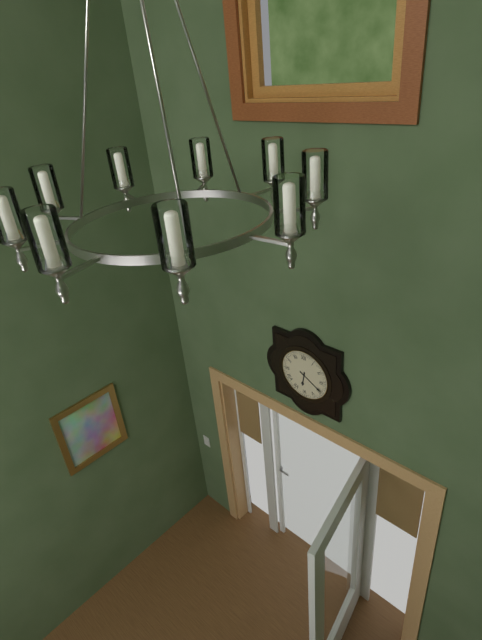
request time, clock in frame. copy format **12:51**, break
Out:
**6:20**
